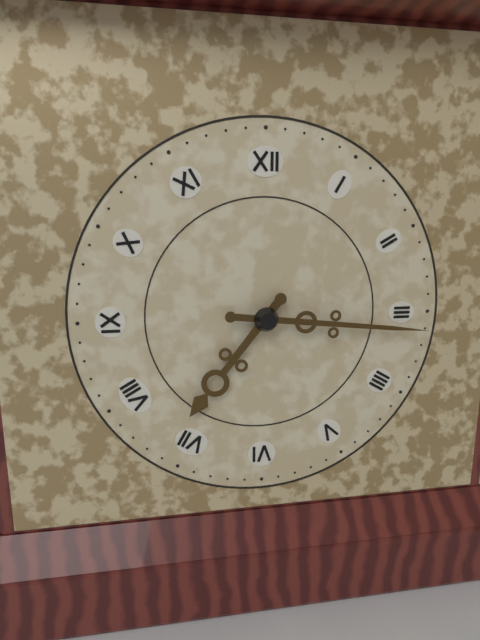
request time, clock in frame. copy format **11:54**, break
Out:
**7:16**
